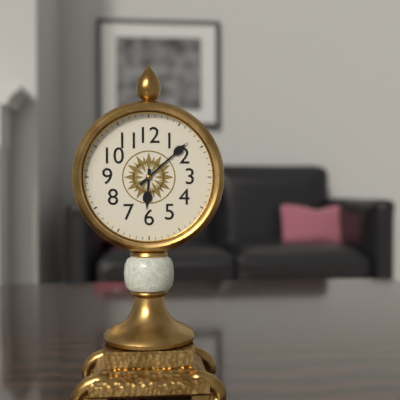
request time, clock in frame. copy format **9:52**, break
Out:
**6:08**
